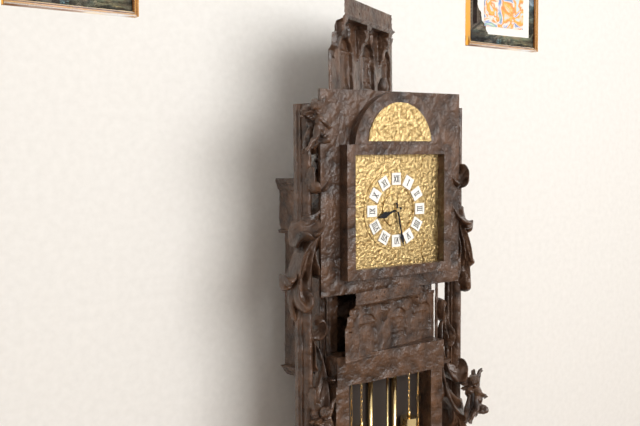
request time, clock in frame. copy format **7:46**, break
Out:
**8:28**
